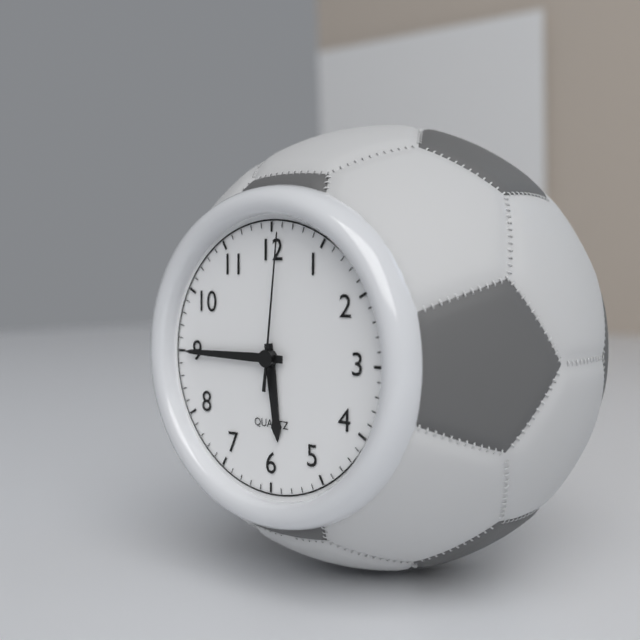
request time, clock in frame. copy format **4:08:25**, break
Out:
**5:45:01**
